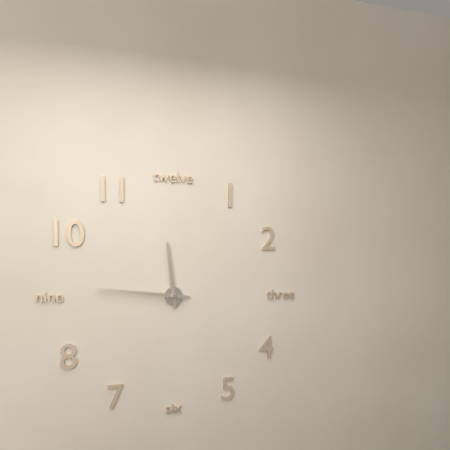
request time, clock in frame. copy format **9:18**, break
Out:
**11:46**
